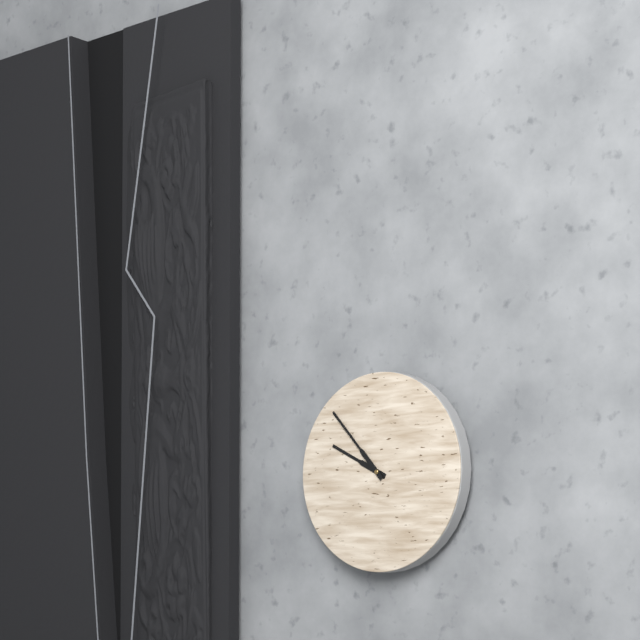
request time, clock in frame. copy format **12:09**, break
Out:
**9:53**
